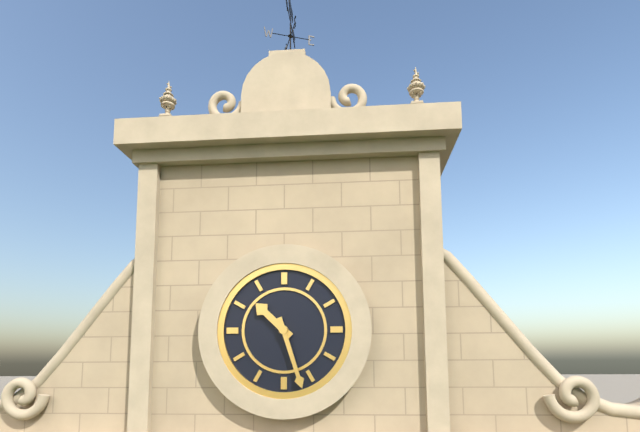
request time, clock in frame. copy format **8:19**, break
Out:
**10:27**
